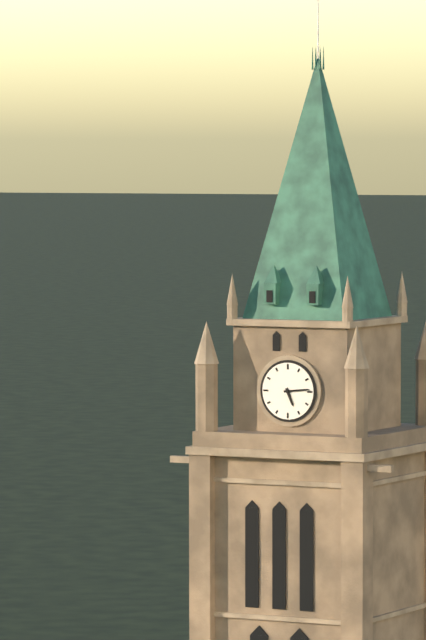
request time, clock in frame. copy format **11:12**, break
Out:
**5:14**
